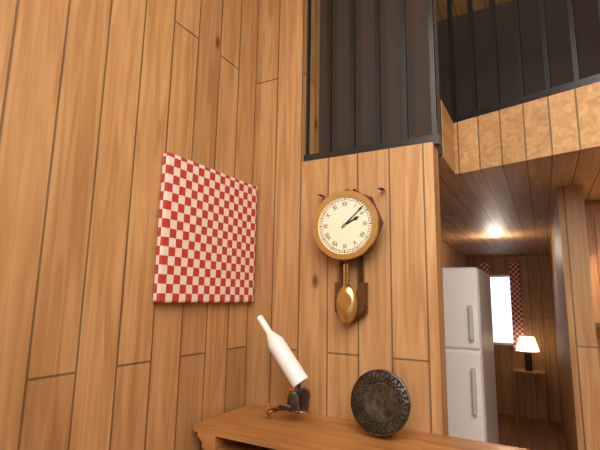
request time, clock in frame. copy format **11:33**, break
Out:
**2:08**
